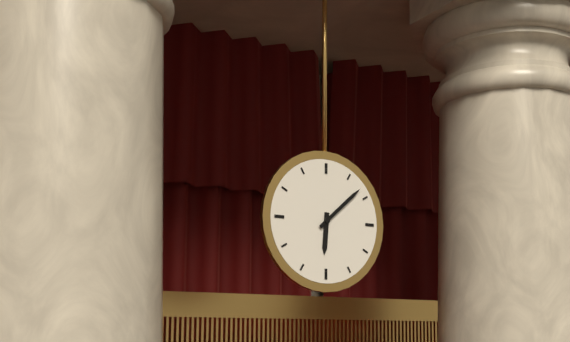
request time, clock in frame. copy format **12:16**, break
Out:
**6:08**
